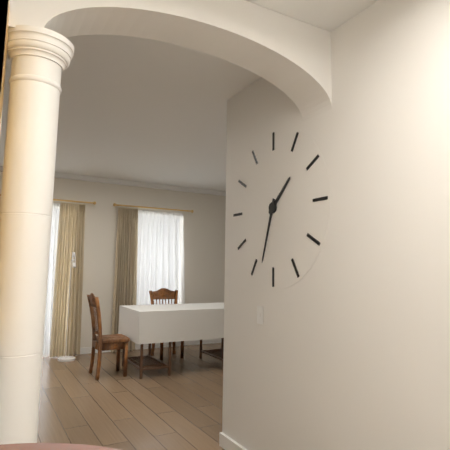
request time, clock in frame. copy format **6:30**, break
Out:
**1:33**
